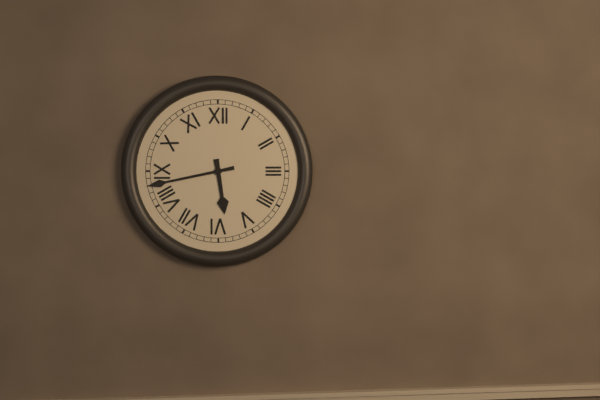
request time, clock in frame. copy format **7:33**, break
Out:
**5:43**
